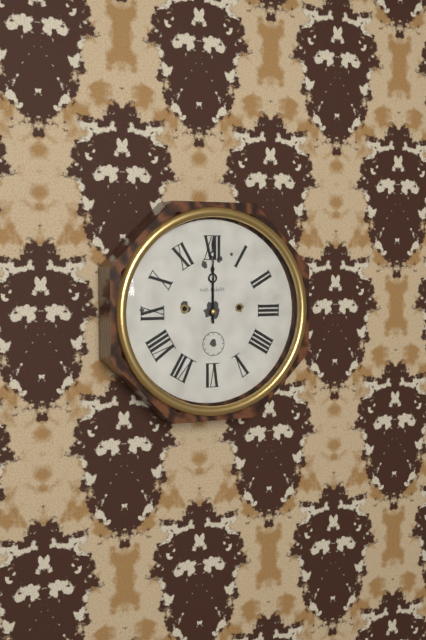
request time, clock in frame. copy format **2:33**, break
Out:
**12:00**
